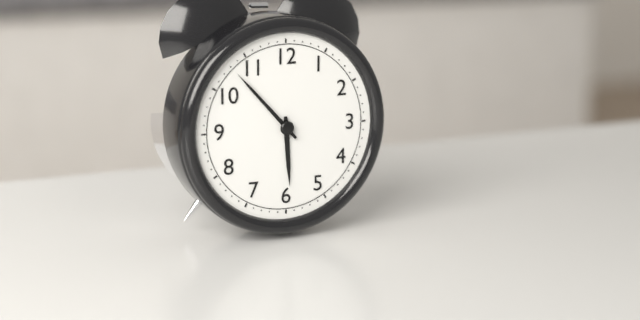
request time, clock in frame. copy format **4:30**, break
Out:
**5:53**
